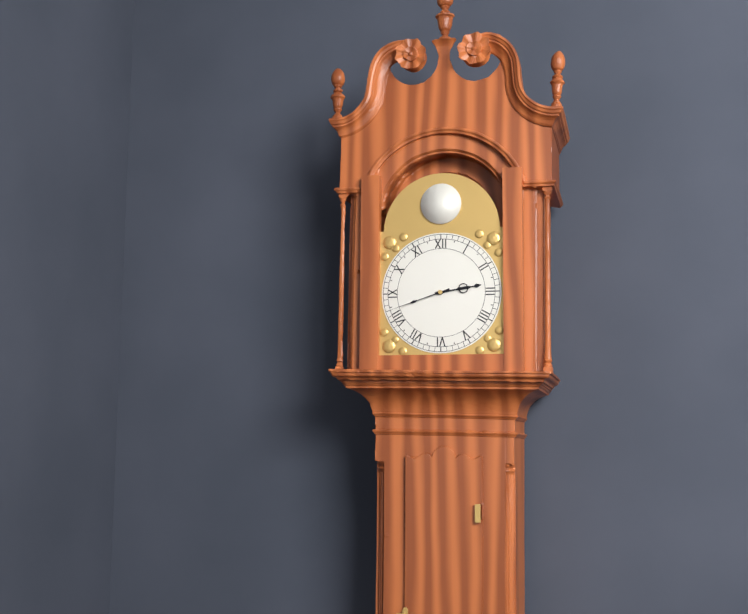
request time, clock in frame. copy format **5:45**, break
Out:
**2:42**
